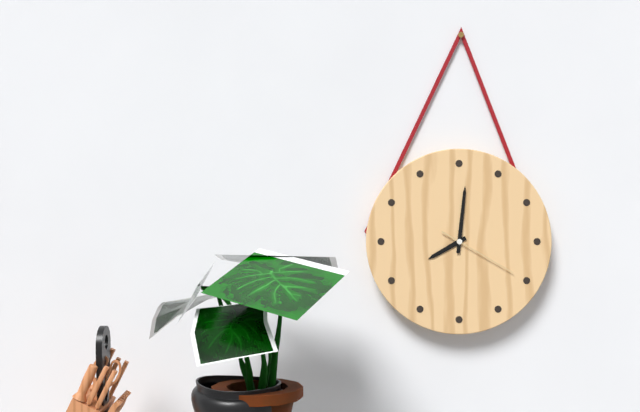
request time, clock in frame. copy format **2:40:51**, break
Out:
**8:01:20**
